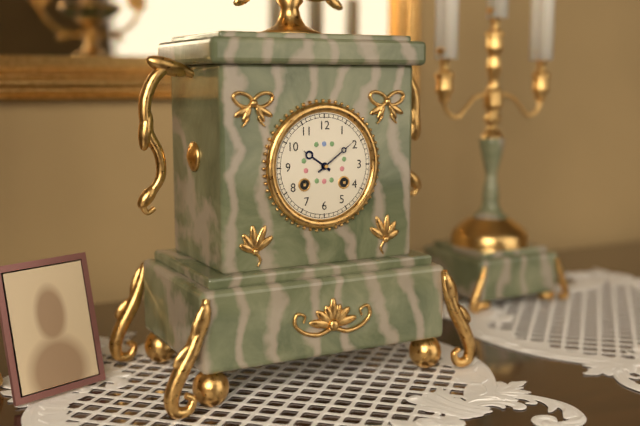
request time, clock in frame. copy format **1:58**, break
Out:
**10:09**
